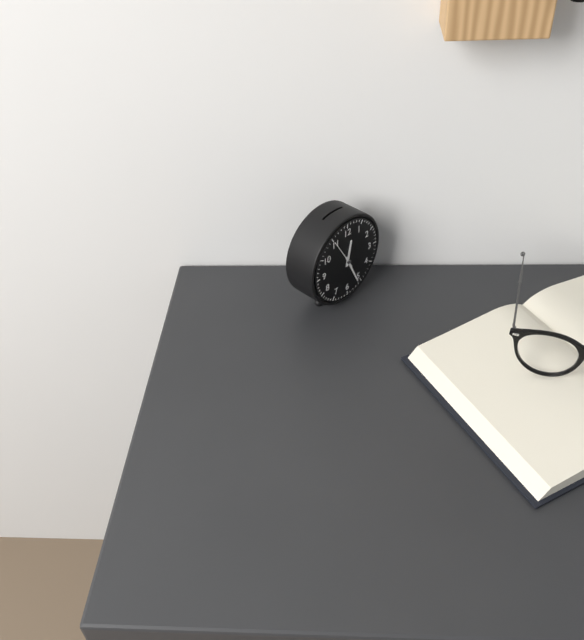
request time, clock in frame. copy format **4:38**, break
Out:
**12:26**
